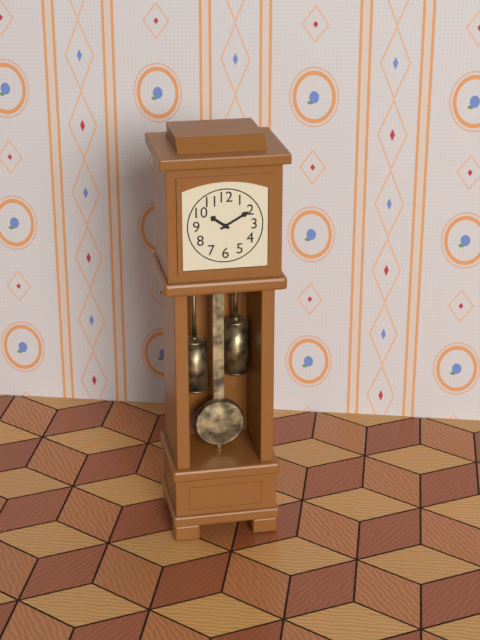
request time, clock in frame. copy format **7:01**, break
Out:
**10:10**
